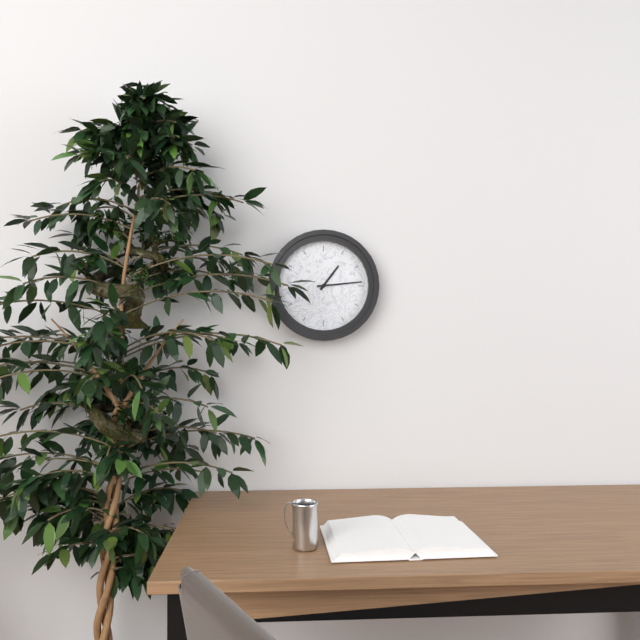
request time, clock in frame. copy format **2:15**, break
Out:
**1:14**
